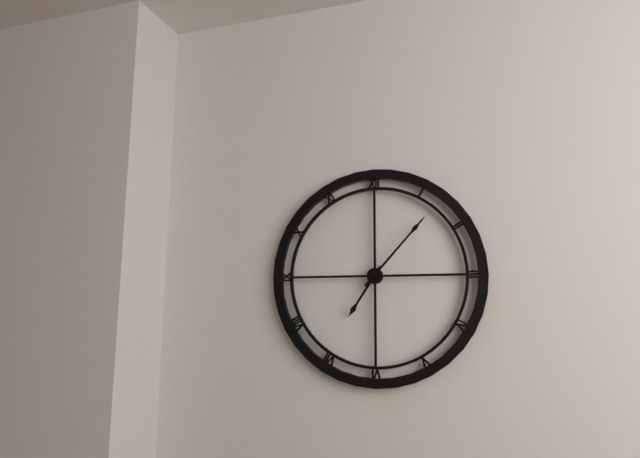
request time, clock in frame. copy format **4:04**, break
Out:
**7:07**
